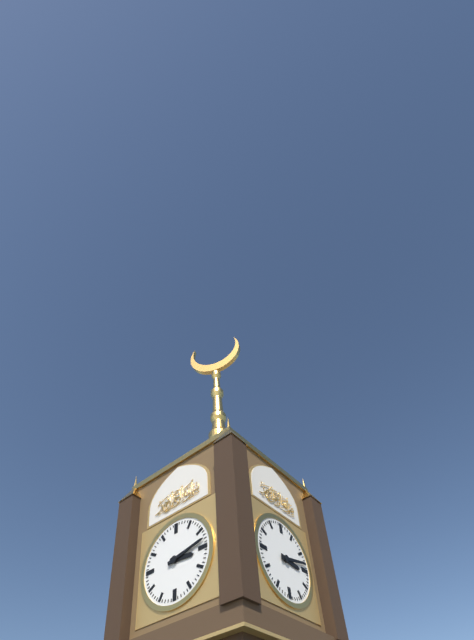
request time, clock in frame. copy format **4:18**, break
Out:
**3:13**
